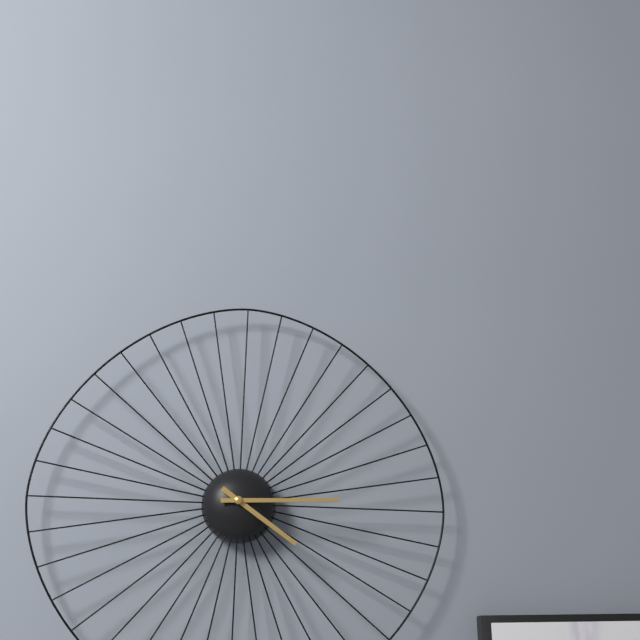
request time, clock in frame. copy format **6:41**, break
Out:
**4:15**
